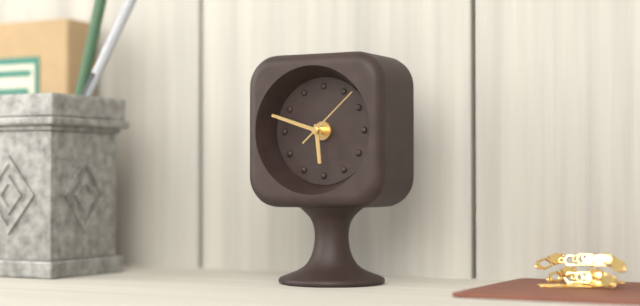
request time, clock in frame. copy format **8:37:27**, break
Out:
**5:48:08**
